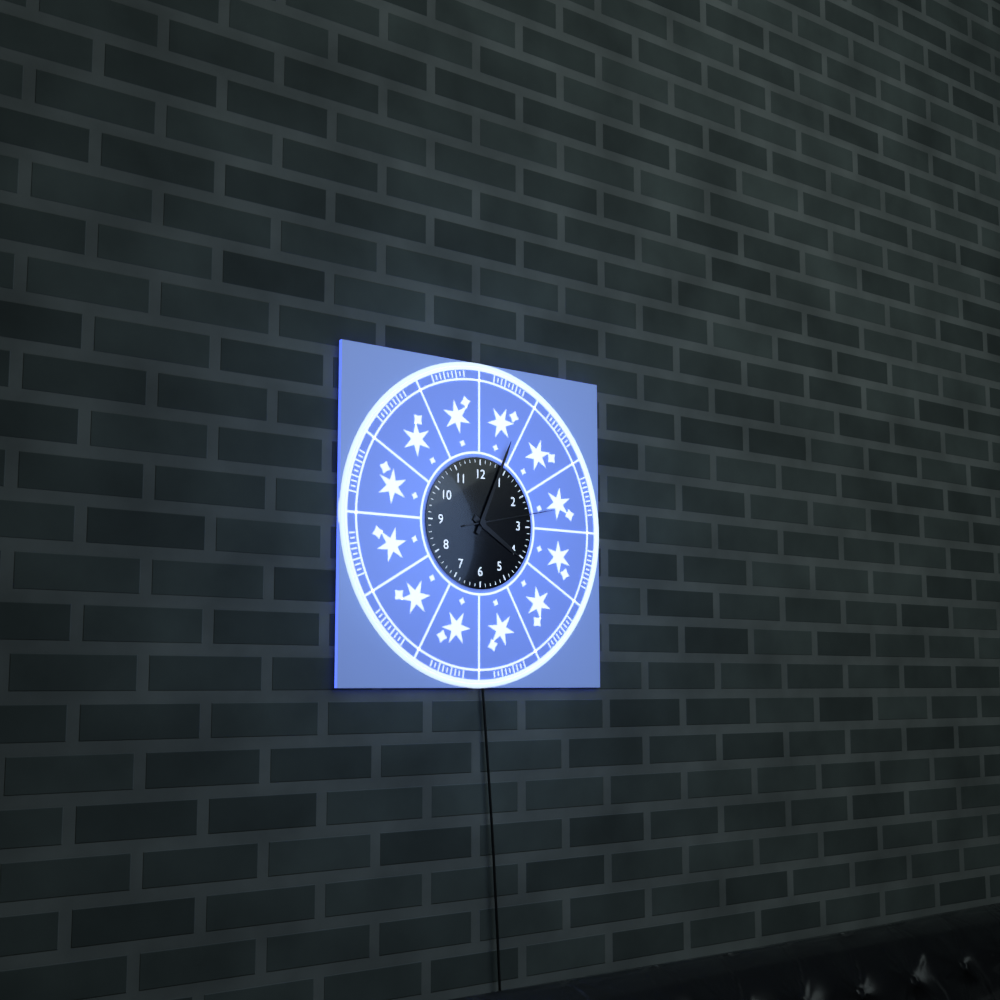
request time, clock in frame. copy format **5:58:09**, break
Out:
**4:04:13**
